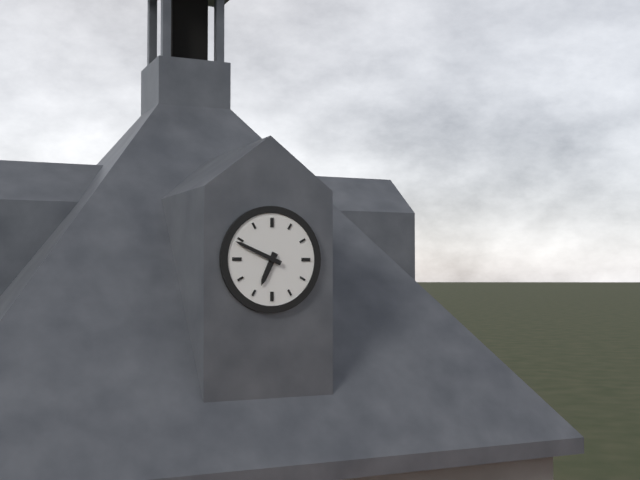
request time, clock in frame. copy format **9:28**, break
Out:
**6:49**
